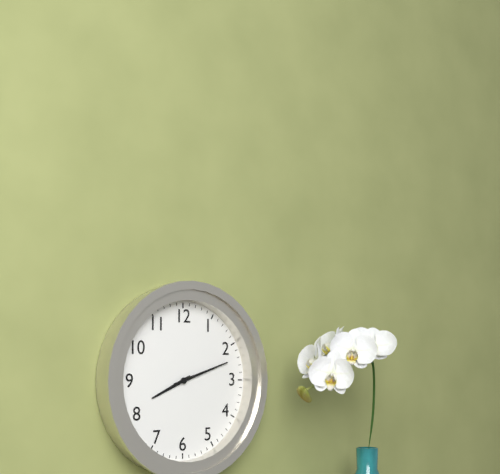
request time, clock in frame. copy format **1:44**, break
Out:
**8:12**
